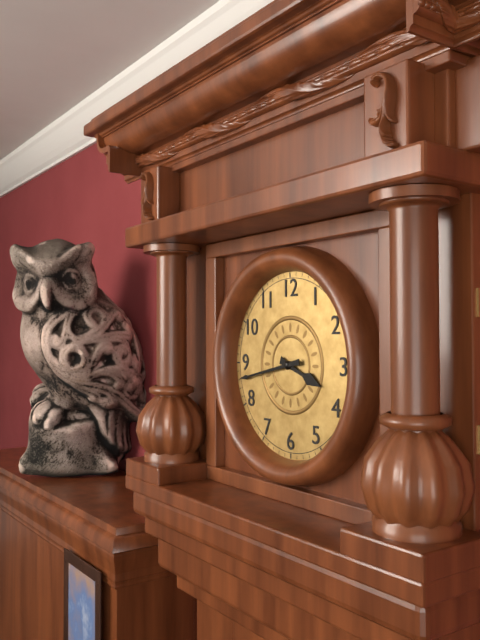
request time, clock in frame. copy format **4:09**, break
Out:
**3:43**
